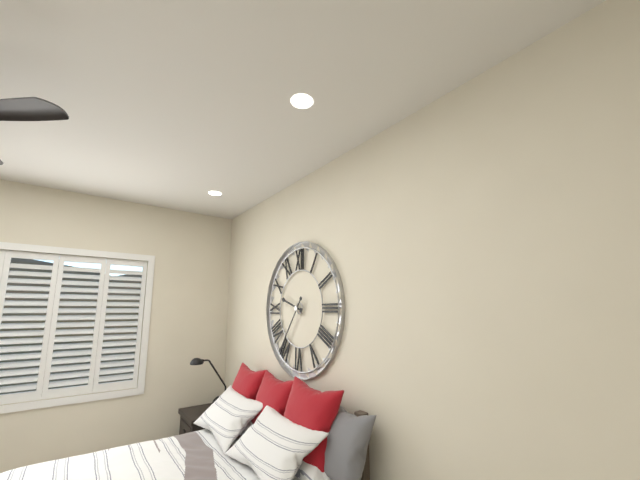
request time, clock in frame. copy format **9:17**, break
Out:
**9:36**
